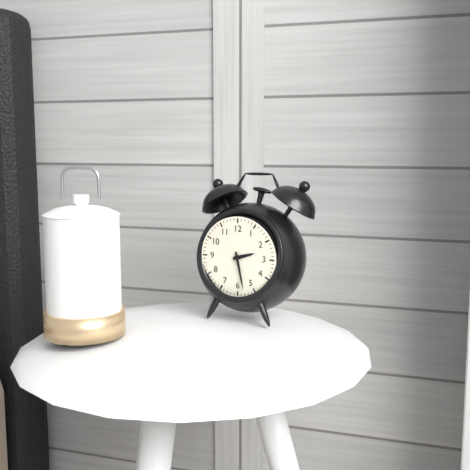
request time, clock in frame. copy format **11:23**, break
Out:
**2:28**
